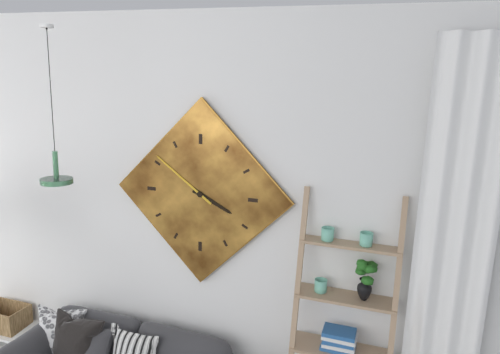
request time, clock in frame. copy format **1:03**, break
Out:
**3:51**
